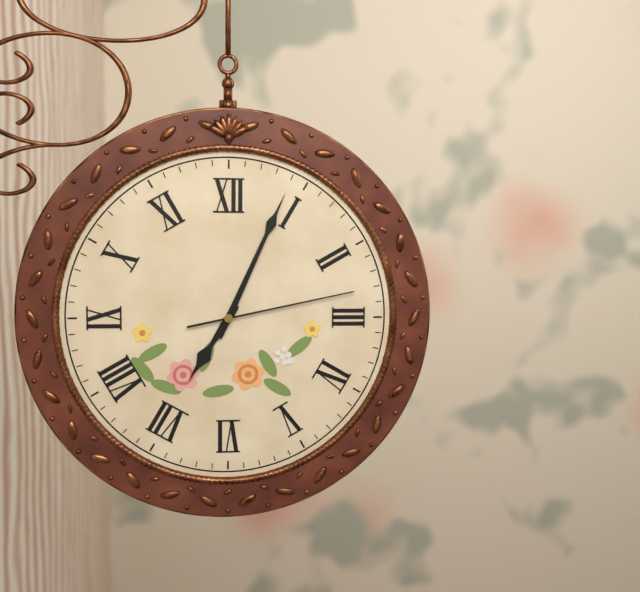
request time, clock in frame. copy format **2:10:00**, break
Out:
**7:04:13**
